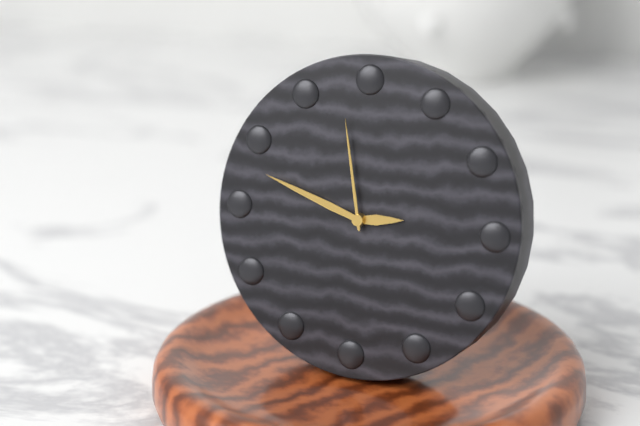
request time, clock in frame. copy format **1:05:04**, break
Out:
**2:48:58**
